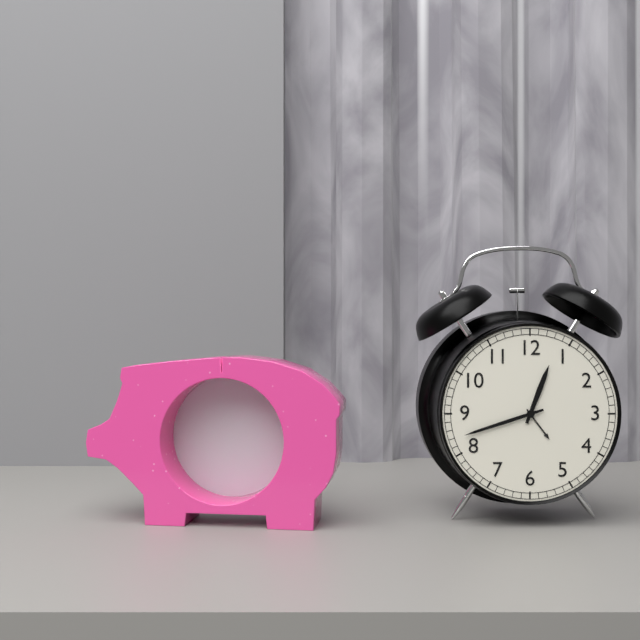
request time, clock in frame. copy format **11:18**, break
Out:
**12:42**
